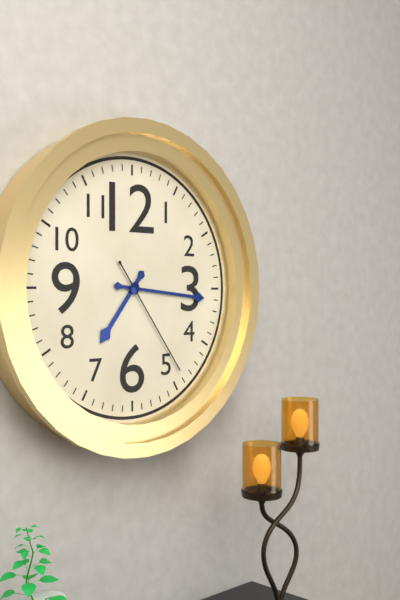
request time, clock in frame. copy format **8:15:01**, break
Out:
**7:16:24**
